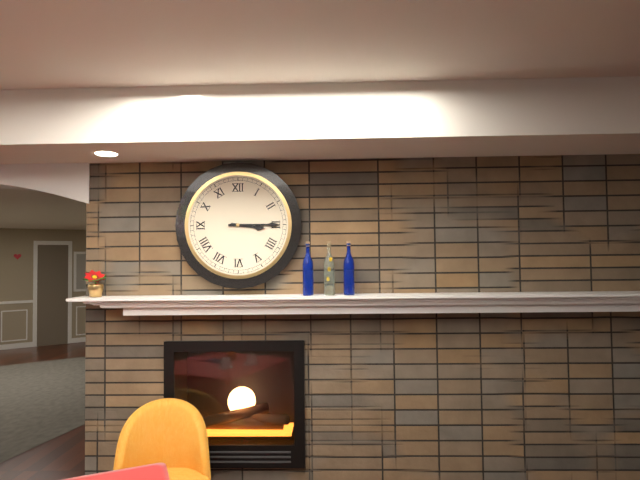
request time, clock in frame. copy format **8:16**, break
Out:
**3:15**
